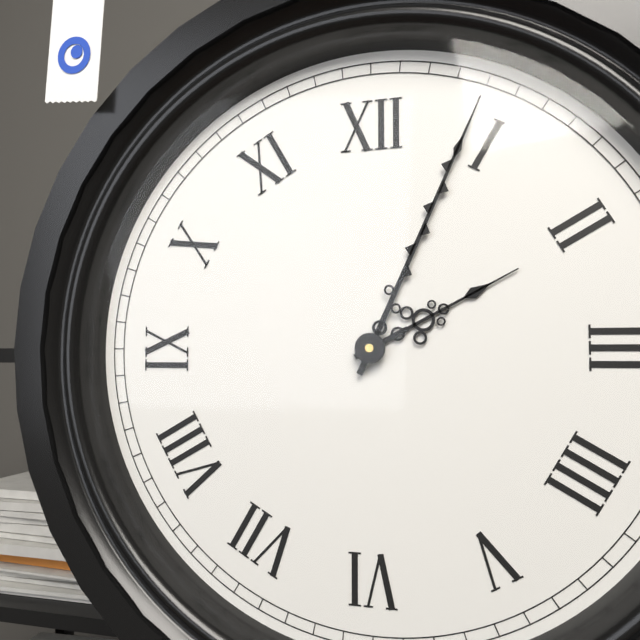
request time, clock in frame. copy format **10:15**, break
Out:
**2:04**
